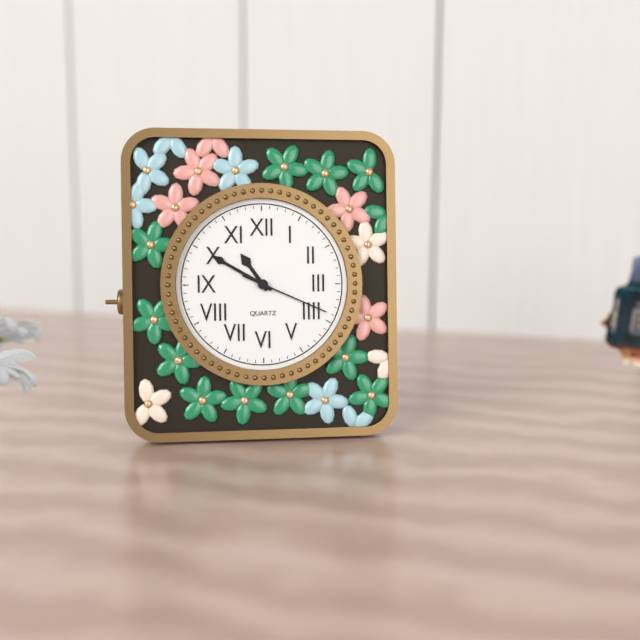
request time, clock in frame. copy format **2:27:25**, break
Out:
**10:50:19**
